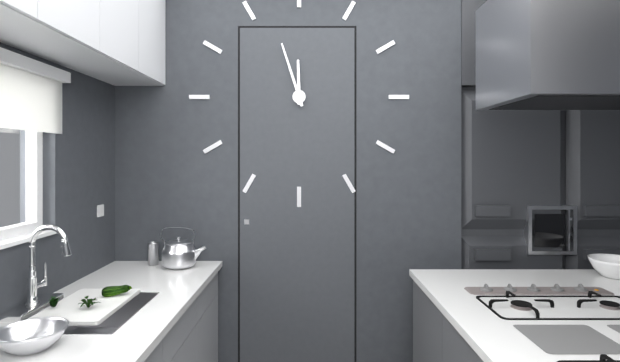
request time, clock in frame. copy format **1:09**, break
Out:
**11:57**
